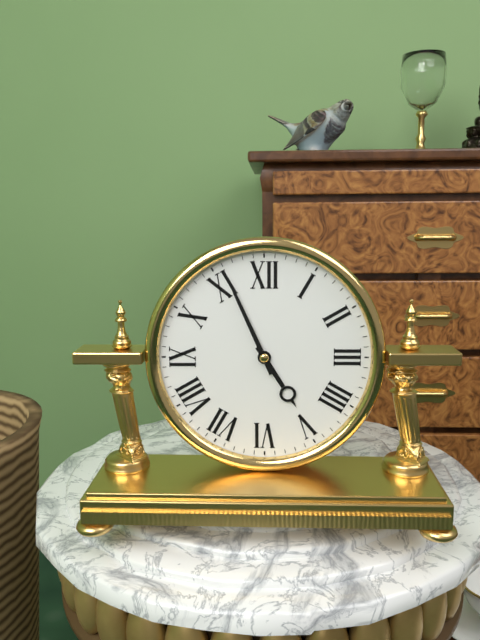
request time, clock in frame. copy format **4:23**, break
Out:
**4:56**
